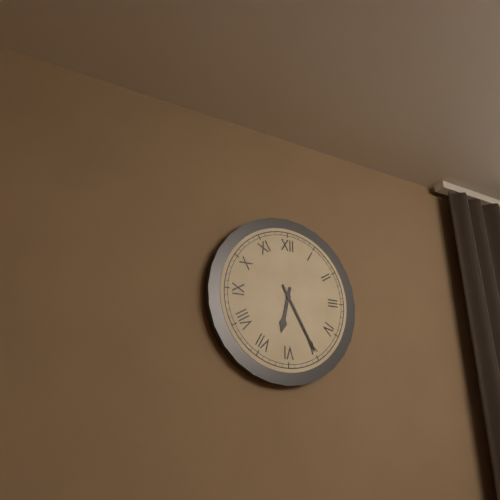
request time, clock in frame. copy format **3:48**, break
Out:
**6:25**
